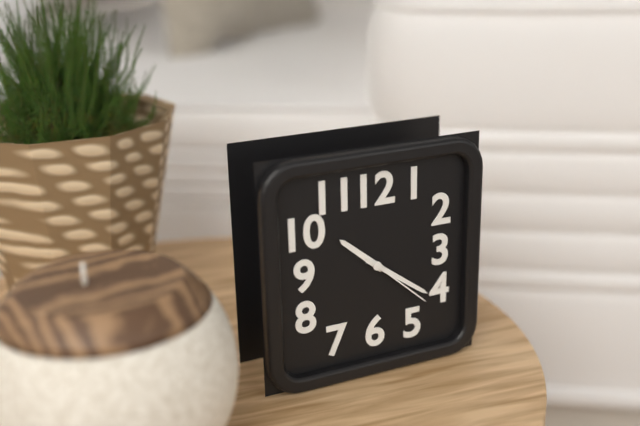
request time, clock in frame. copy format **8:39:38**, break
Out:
**10:21:22**
